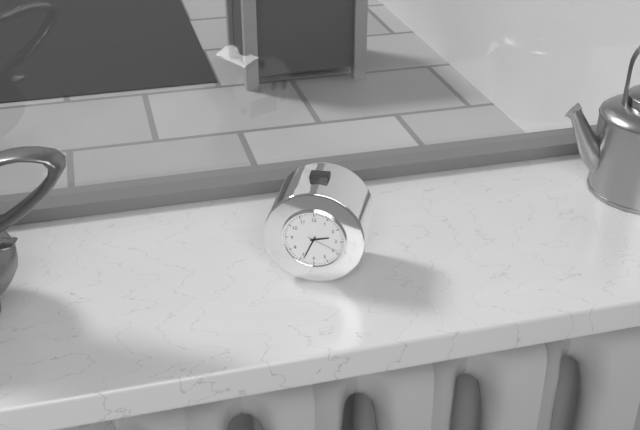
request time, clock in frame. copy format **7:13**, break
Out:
**2:34**
